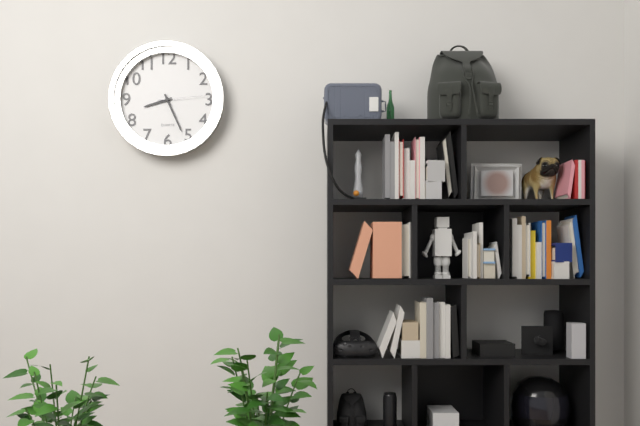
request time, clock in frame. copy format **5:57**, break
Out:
**8:26**
